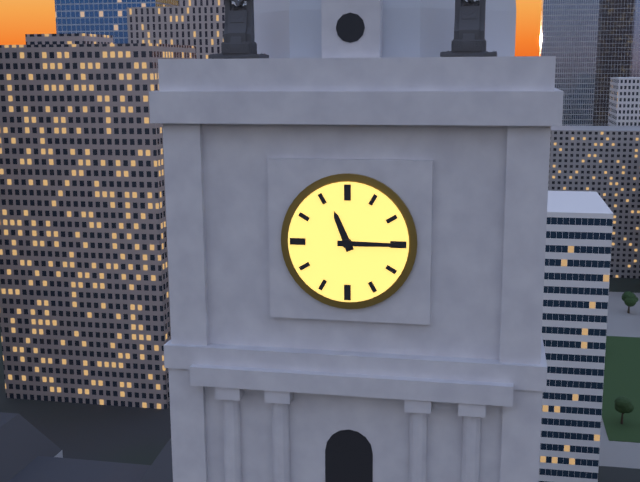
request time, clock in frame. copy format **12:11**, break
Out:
**11:15**
